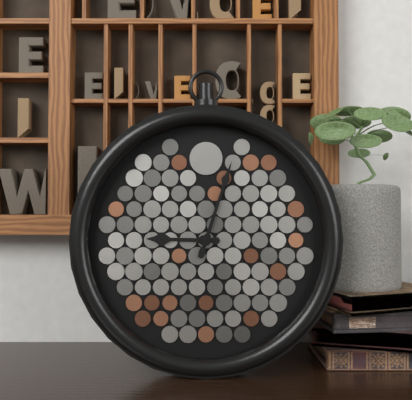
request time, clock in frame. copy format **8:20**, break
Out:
**9:03**
